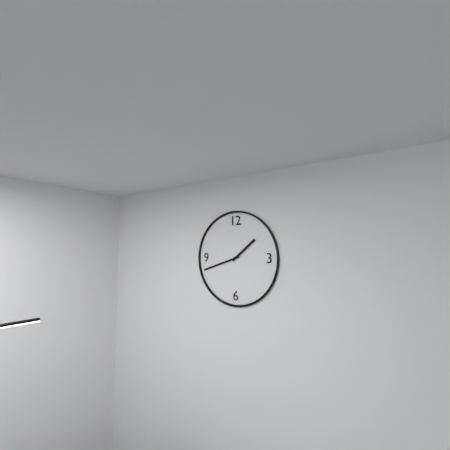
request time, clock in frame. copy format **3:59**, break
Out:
**1:42**
